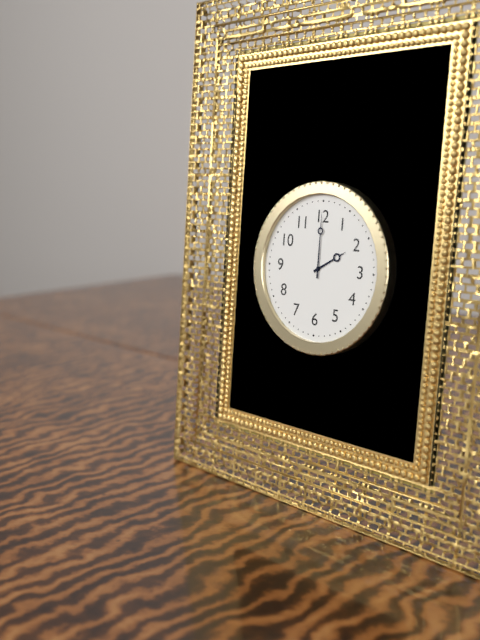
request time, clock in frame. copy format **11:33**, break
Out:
**2:00**
